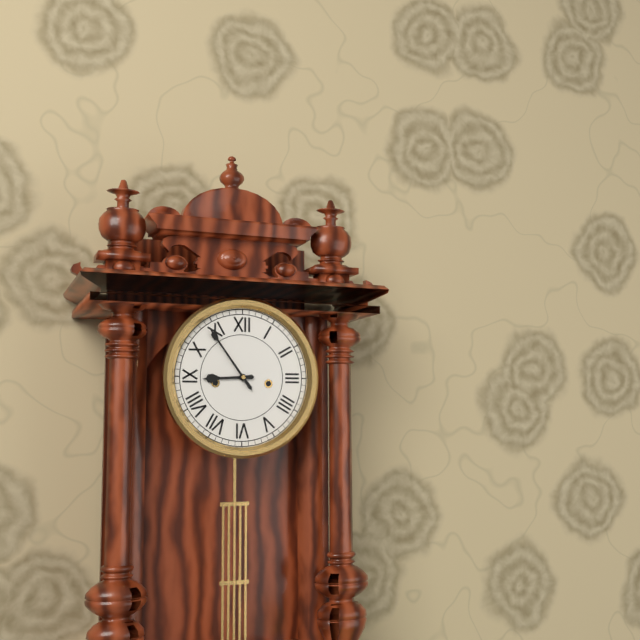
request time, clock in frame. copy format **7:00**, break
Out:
**8:54**
